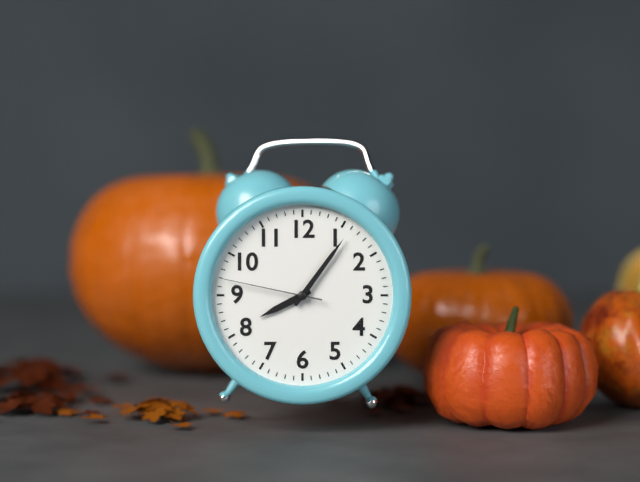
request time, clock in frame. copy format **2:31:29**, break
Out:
**8:06:47**
